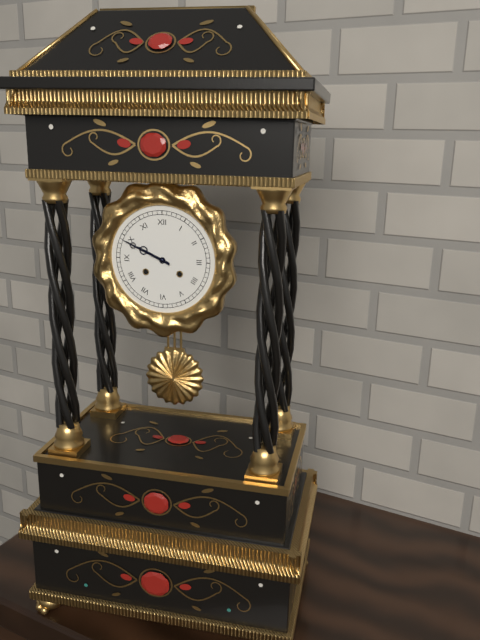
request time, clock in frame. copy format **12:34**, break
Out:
**9:49**
